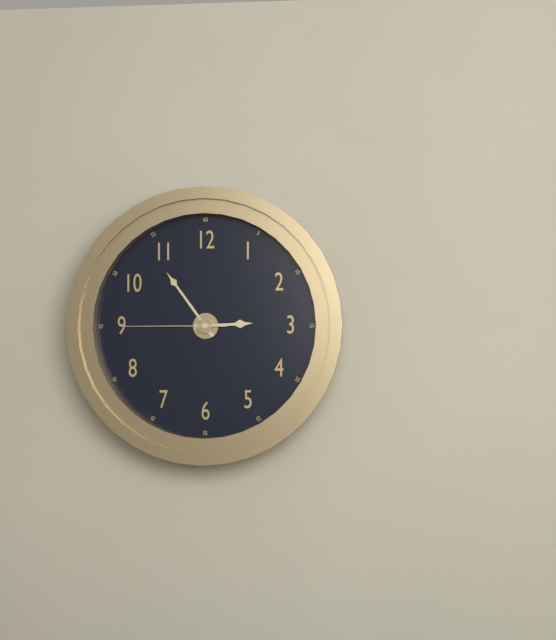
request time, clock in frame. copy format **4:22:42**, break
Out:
**2:54:45**
